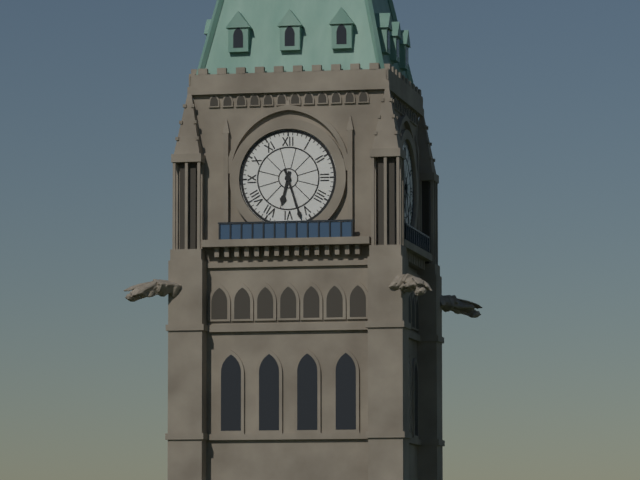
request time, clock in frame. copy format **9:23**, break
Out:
**6:27**
